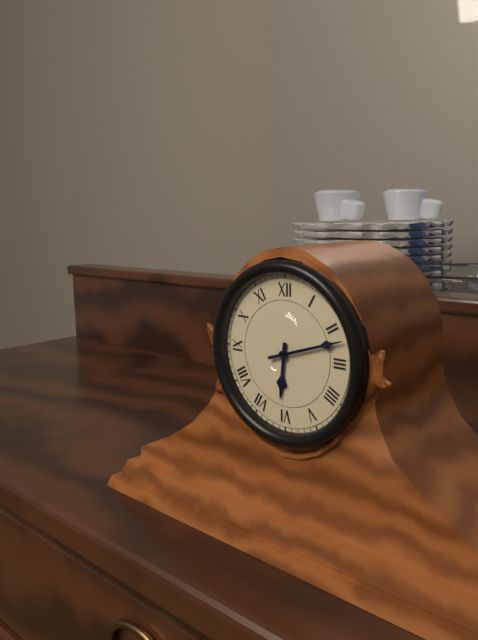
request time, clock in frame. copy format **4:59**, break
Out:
**6:12**
